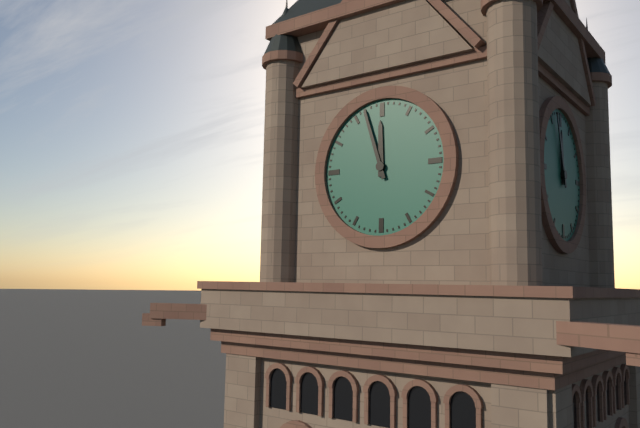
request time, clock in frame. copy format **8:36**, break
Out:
**11:57**
